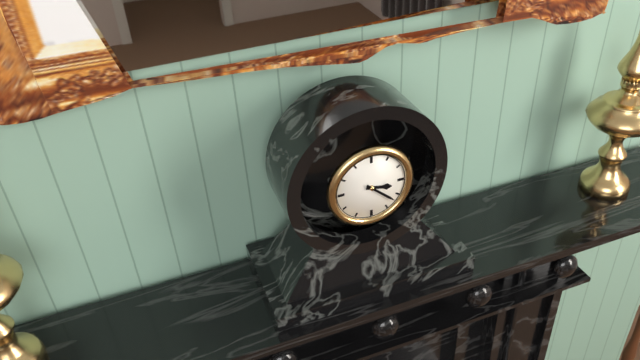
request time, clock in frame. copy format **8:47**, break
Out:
**3:22**
